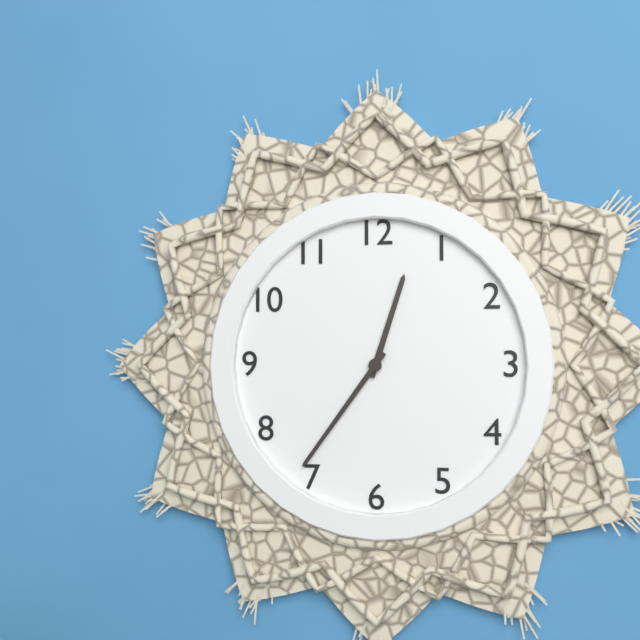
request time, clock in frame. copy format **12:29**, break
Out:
**12:36**
